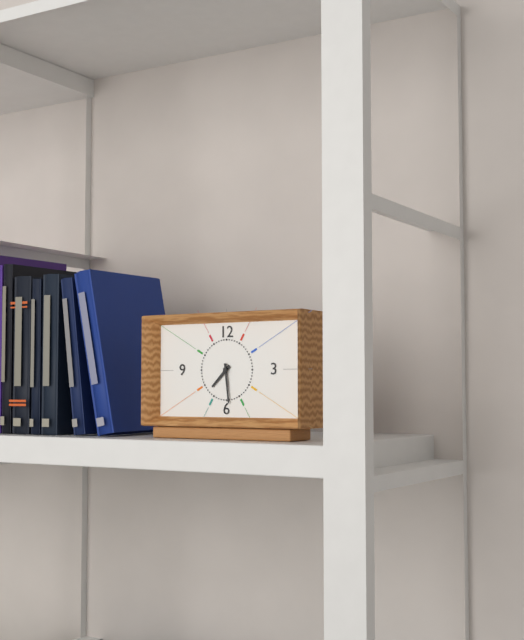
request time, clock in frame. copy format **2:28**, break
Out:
**7:29**
